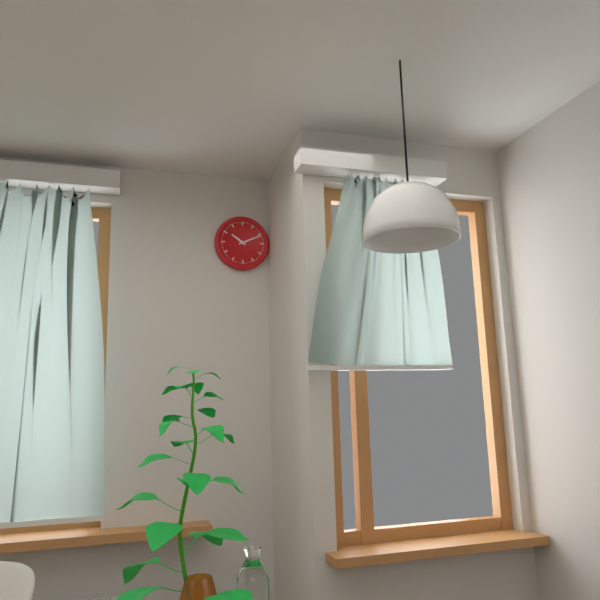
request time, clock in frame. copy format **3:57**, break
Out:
**10:11**
